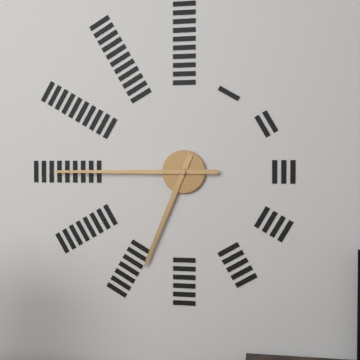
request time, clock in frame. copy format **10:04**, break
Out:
**6:45**
